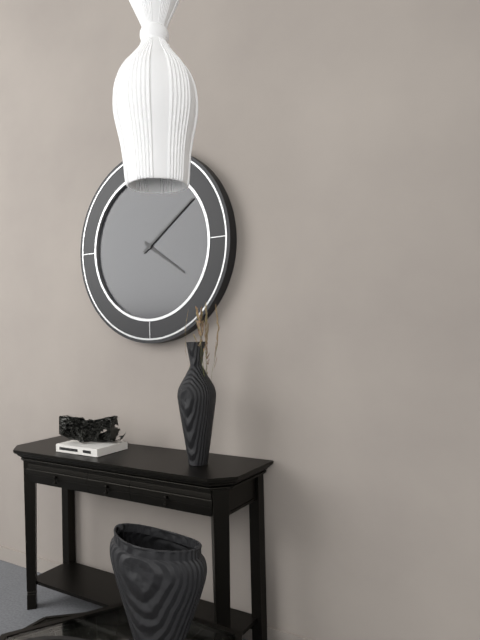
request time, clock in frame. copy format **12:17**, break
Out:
**4:09**
